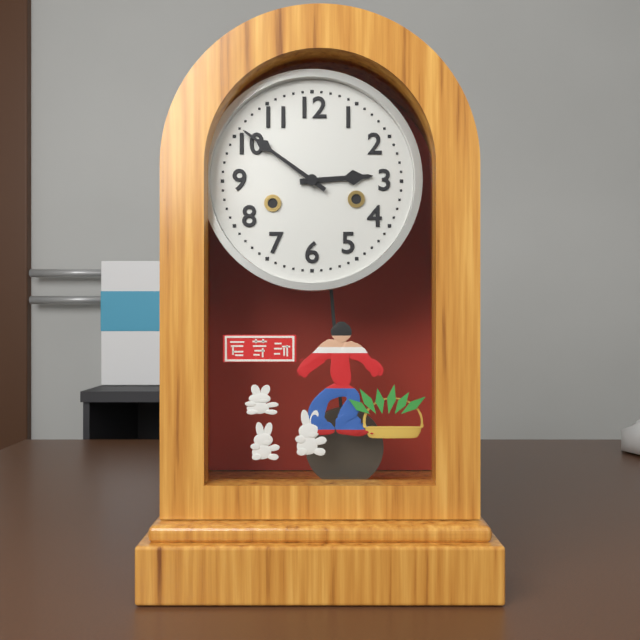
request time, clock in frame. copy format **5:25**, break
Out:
**2:51**
